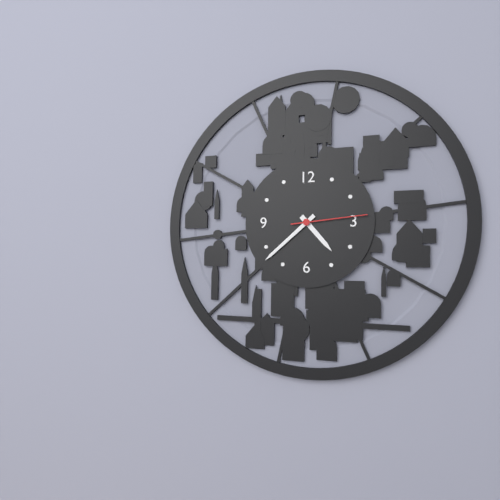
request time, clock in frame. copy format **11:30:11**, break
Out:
**4:38:14**
